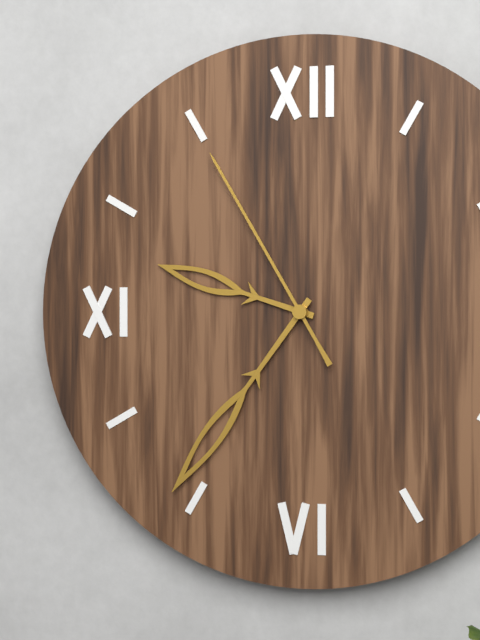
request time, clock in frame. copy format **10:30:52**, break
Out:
**9:36:55**
